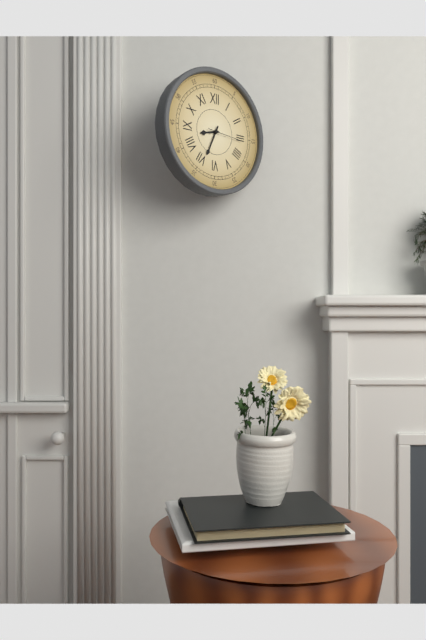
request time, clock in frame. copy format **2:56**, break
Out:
**8:34**
